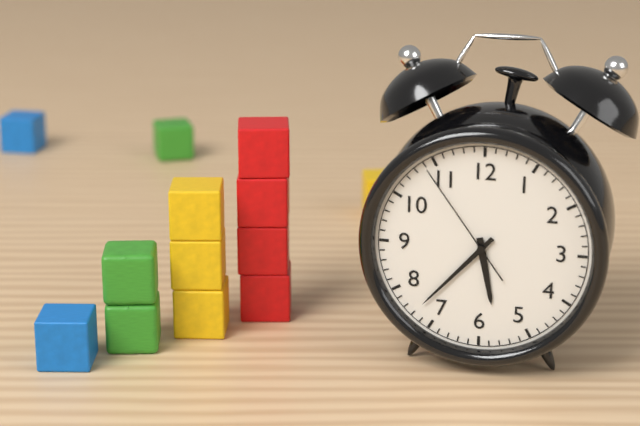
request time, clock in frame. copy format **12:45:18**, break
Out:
**5:37:54**
